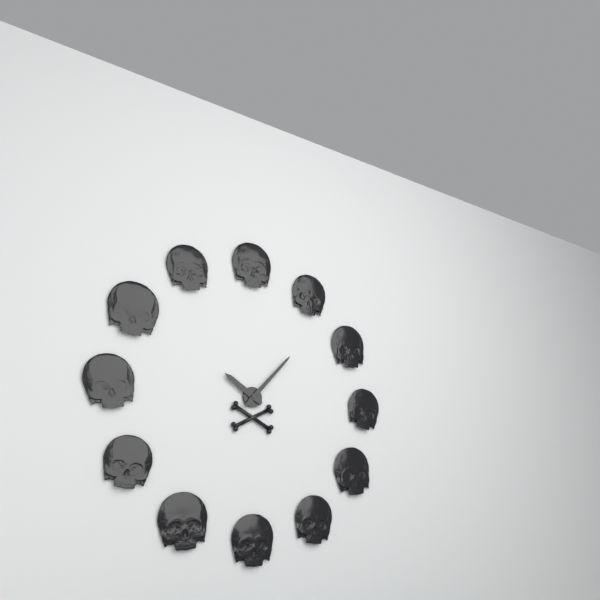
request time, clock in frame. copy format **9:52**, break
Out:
**10:07**
